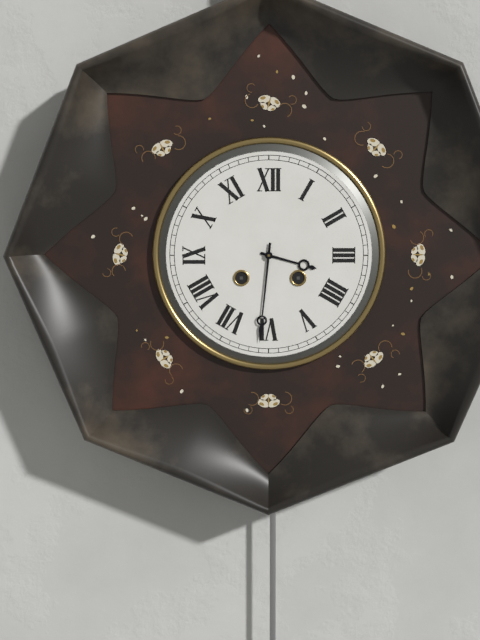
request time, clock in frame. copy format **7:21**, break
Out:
**3:31**
